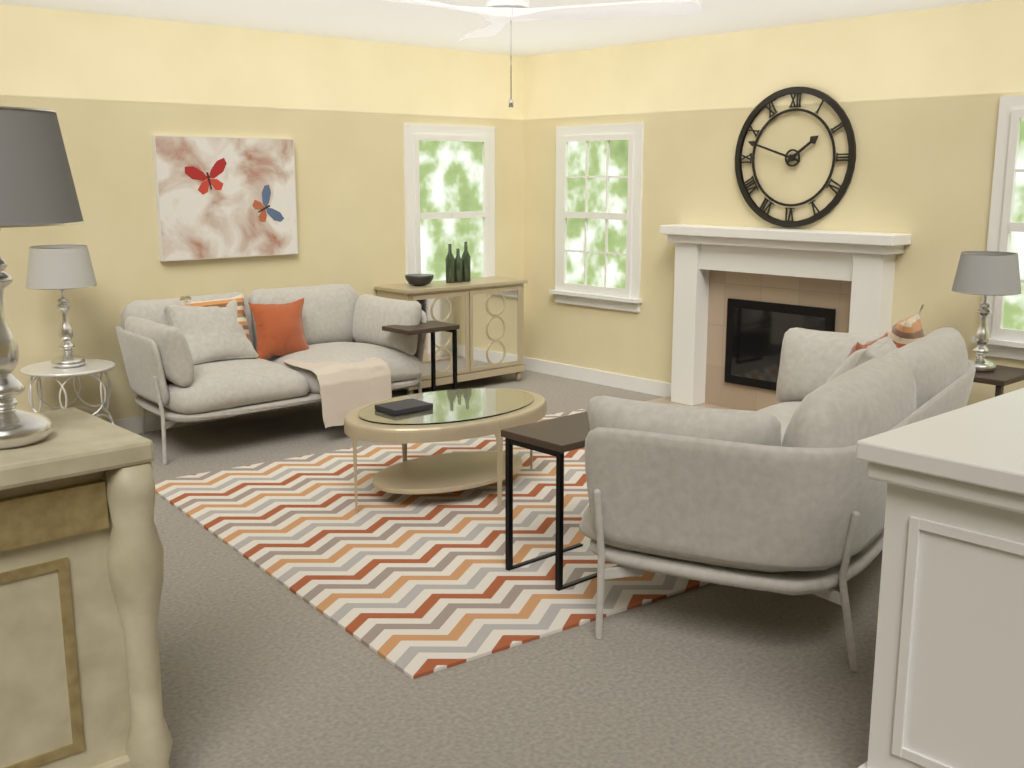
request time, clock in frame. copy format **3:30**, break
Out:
**1:48**
